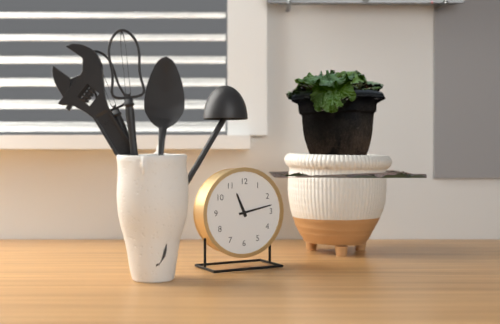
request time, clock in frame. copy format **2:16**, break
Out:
**11:13**
